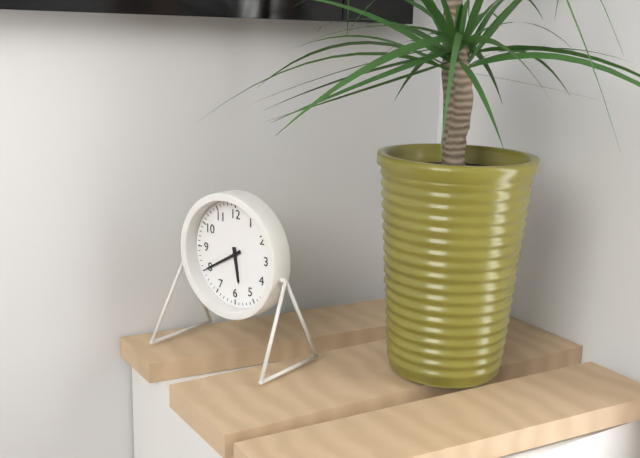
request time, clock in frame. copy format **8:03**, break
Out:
**5:40**
